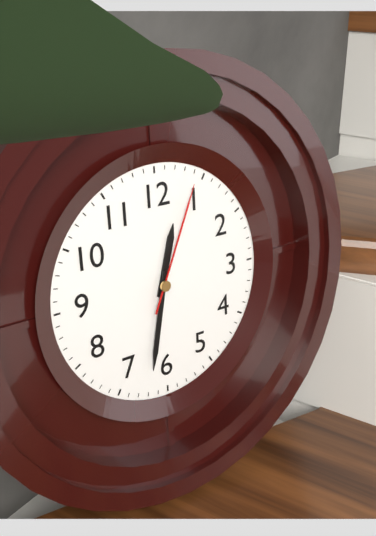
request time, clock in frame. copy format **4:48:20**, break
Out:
**12:32:04**
